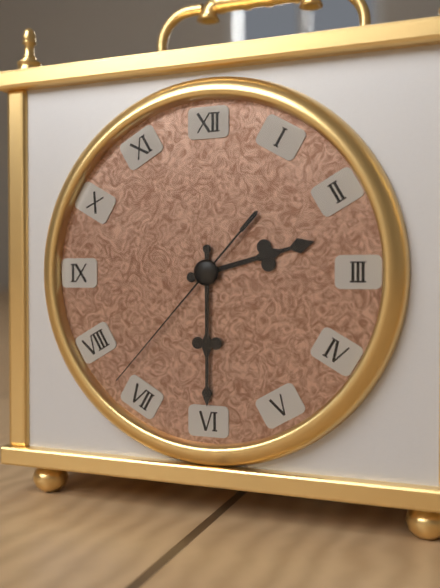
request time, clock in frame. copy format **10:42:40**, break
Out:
**2:30:37**
